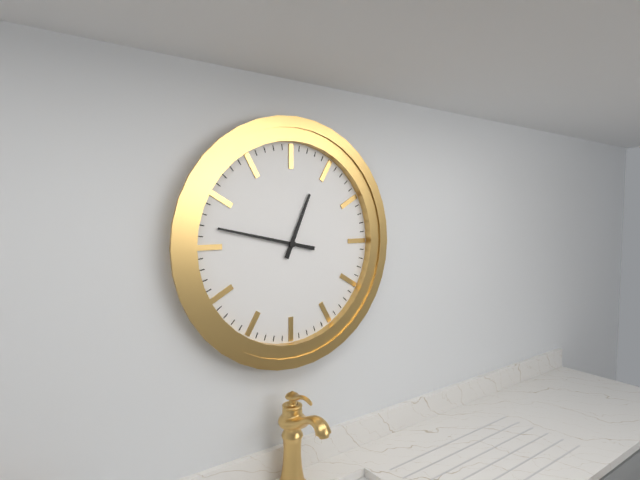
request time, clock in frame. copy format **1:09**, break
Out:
**12:47**
